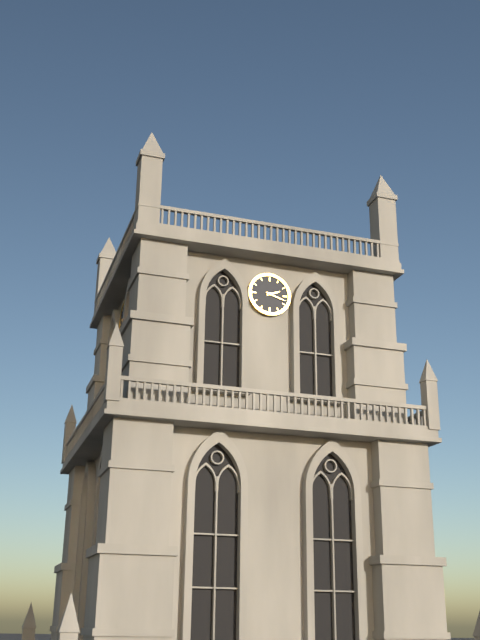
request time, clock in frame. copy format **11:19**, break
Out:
**2:18**
